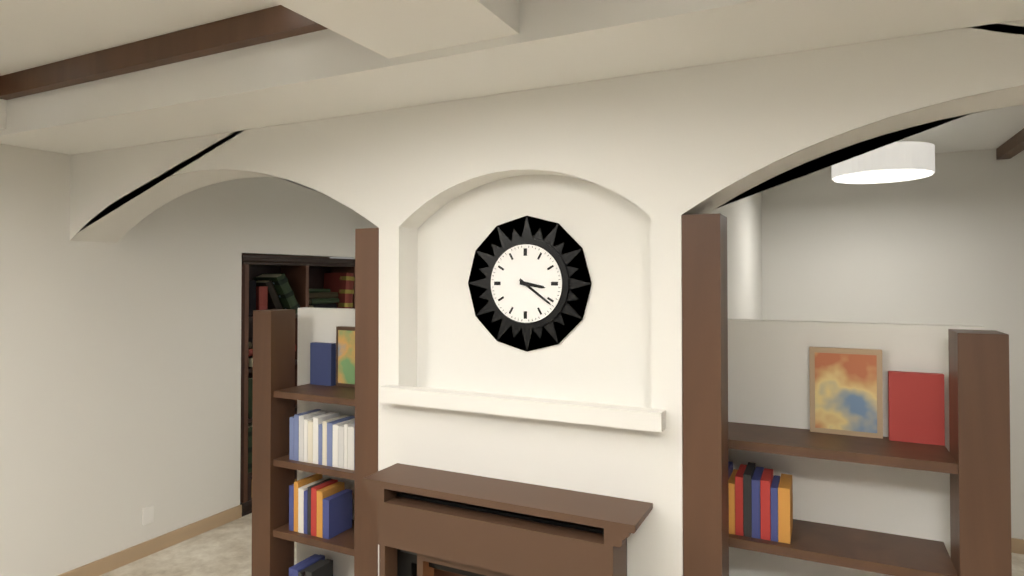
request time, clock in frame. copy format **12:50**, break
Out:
**3:21**
